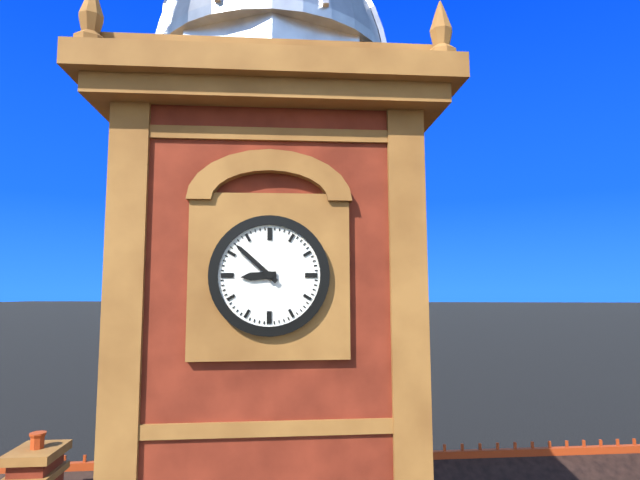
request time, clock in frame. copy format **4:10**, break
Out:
**8:52**
